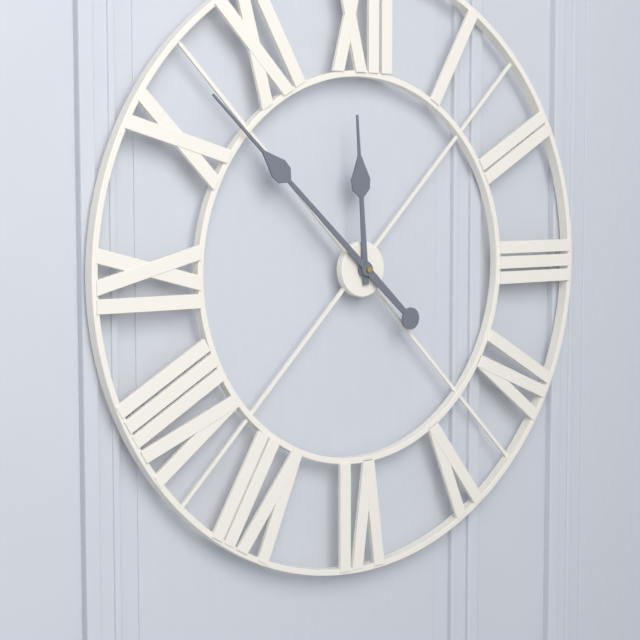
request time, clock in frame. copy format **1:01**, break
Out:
**11:52**
